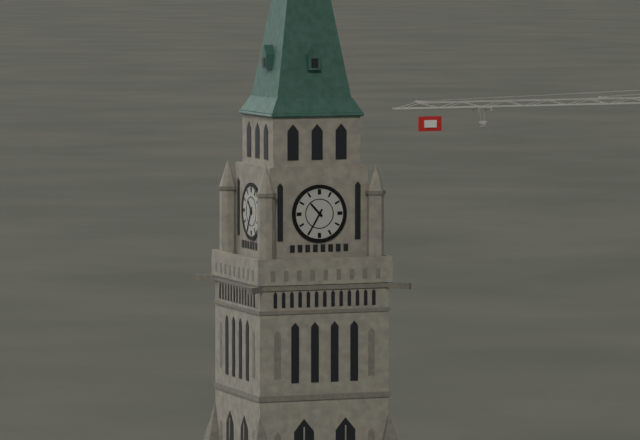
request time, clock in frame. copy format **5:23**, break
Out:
**10:35**
